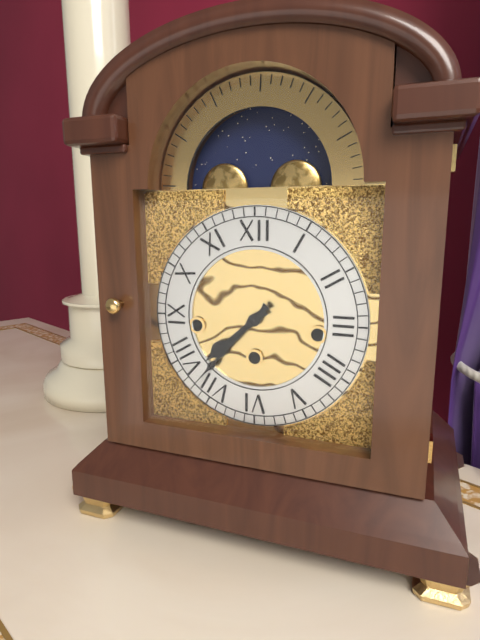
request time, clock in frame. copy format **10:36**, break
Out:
**7:37**
